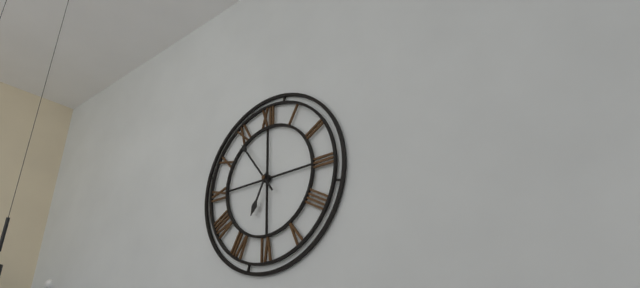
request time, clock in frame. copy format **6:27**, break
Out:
**6:54**
